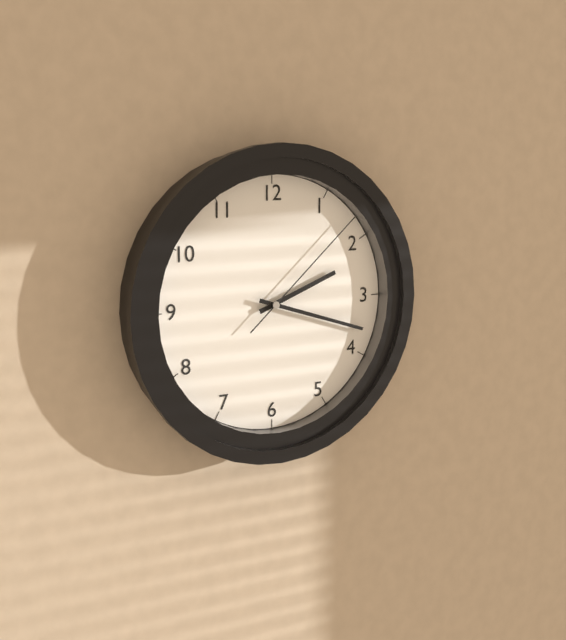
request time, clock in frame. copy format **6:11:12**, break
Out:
**2:18:08**
